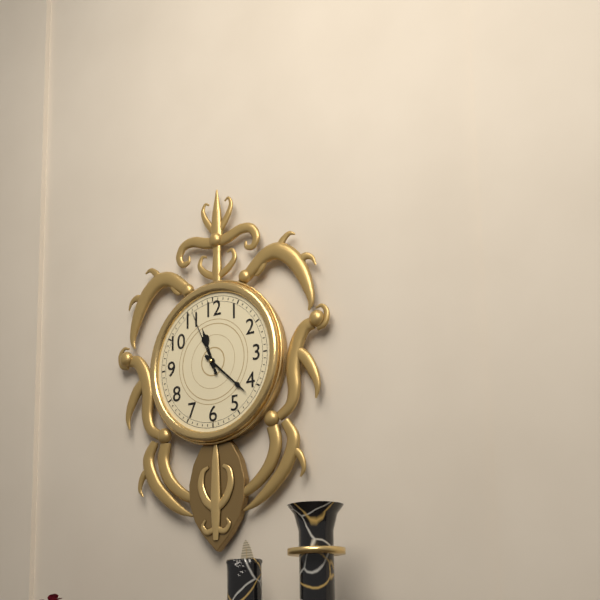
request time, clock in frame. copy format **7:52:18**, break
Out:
**11:22:56**
